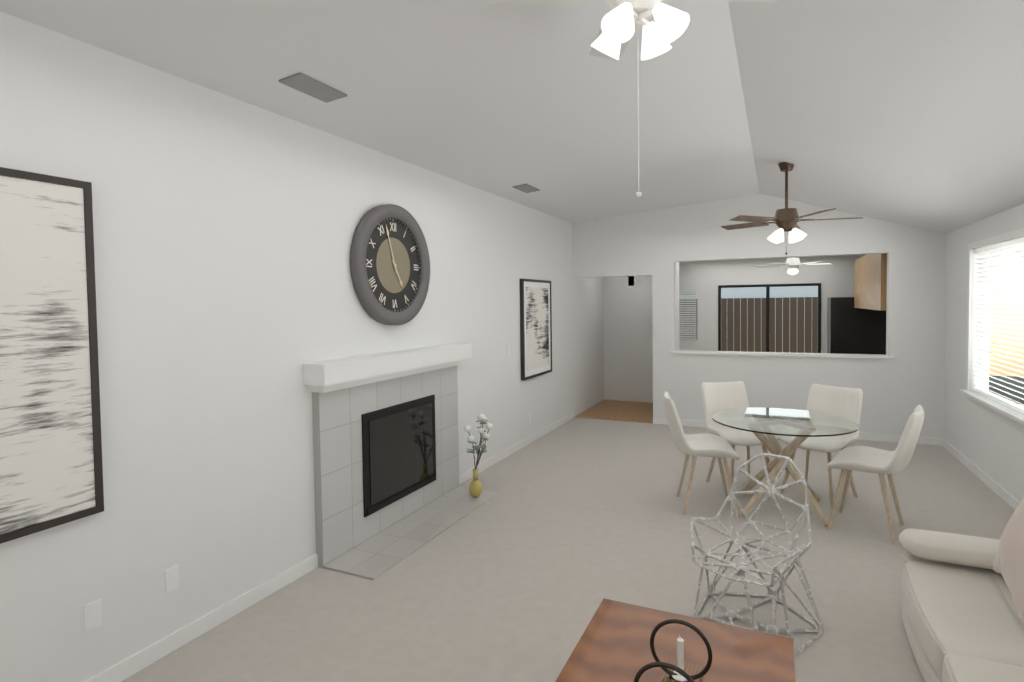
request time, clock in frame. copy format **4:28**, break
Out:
**4:57**
